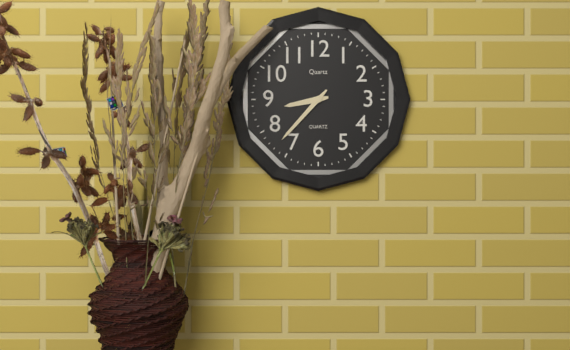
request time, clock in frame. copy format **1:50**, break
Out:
**8:37**
